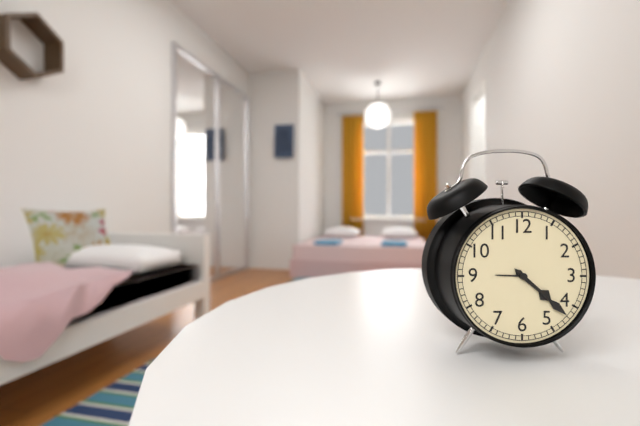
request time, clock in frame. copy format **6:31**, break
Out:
**4:22**
